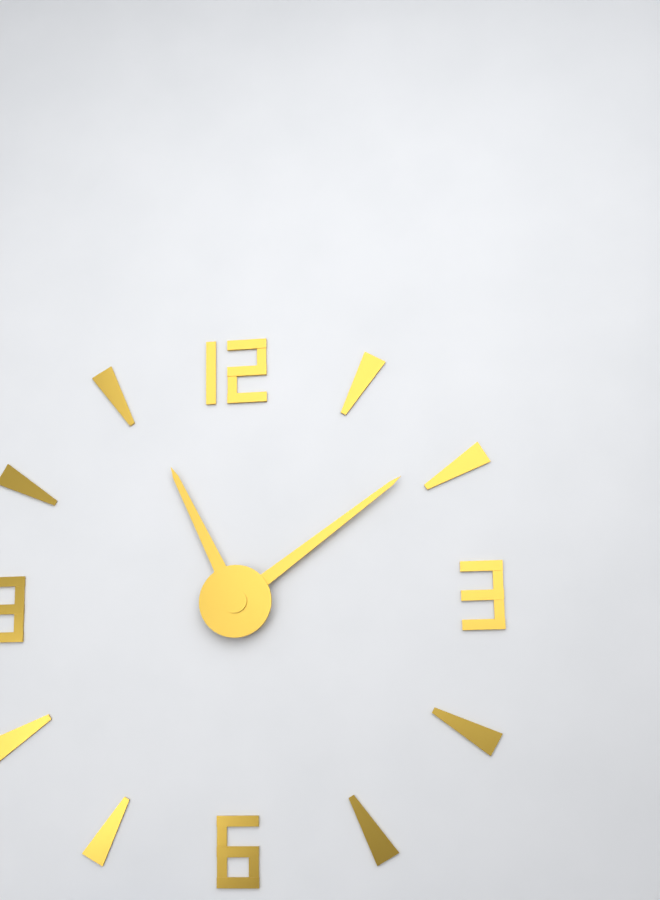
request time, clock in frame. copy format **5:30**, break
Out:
**11:09**
